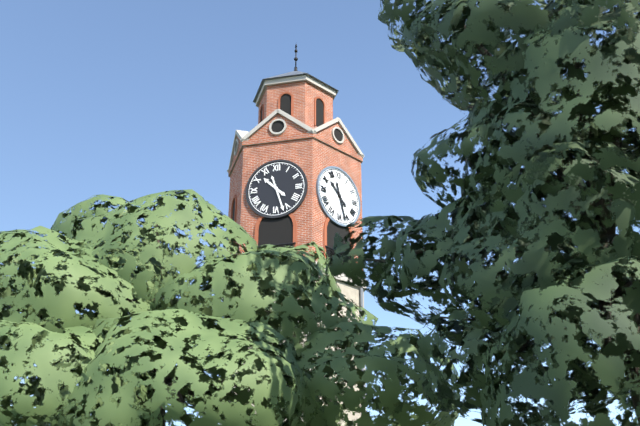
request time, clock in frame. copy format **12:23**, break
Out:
**10:27**
